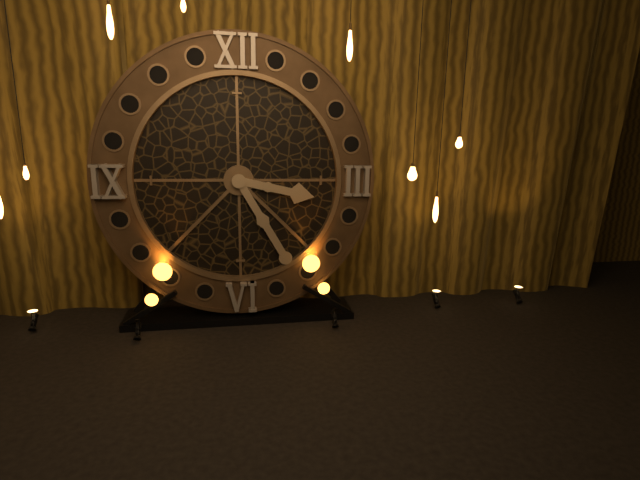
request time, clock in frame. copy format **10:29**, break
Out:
**3:25**
